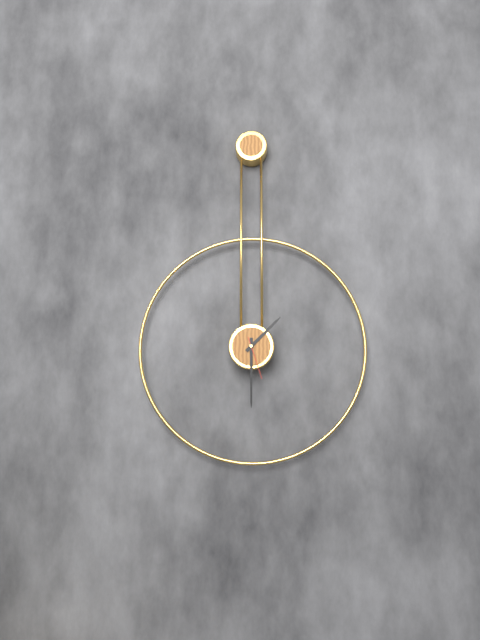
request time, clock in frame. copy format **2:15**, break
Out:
**1:30**
